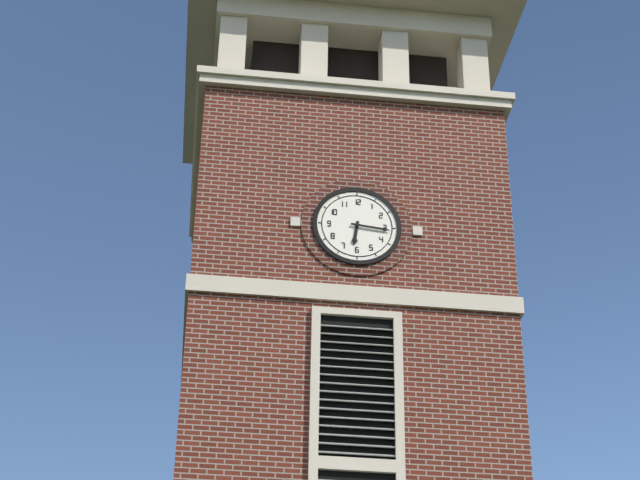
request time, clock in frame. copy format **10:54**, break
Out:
**6:16**
